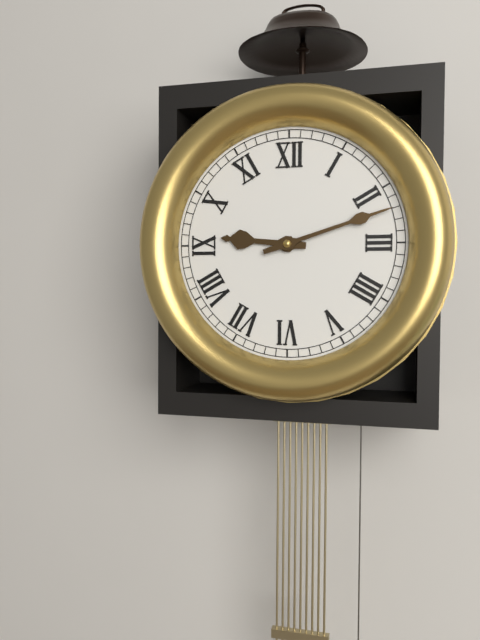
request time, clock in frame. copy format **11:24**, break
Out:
**9:12**
